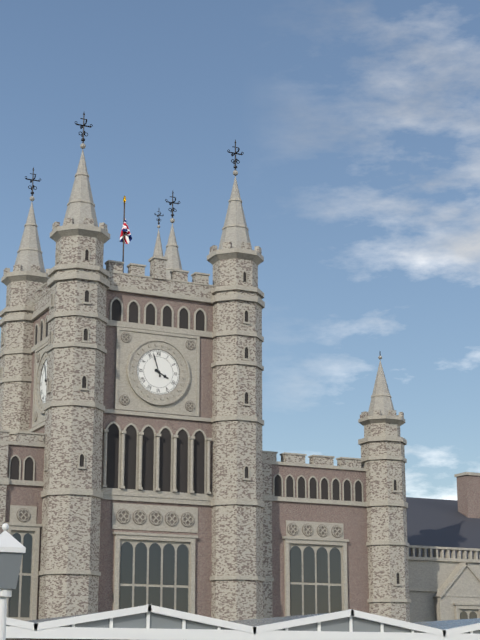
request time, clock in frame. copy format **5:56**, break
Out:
**3:57**
